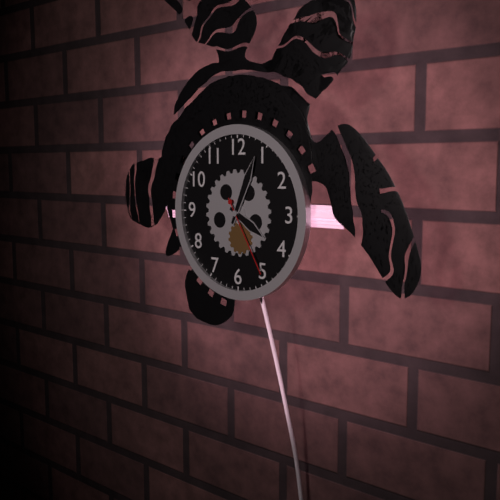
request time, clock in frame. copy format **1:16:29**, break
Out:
**4:04:25**
